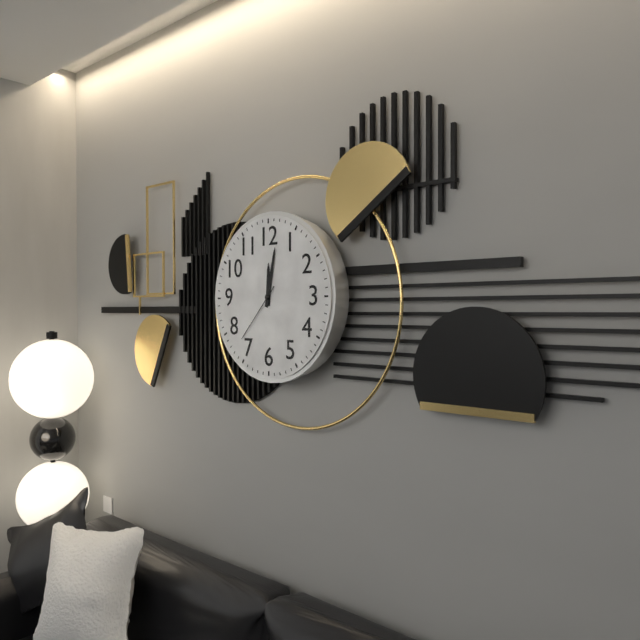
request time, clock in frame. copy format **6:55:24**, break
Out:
**12:02:37**
